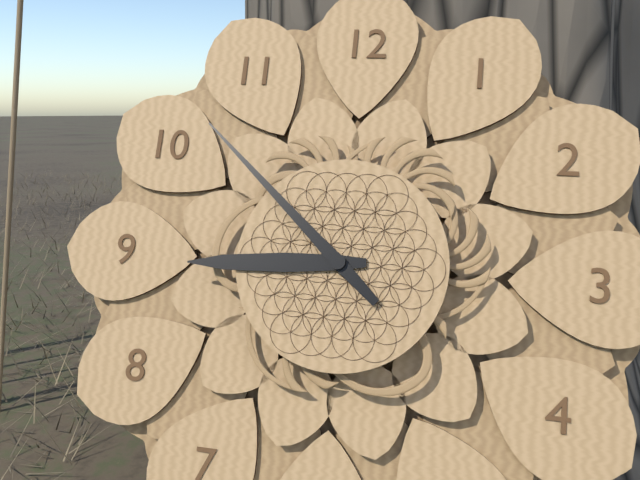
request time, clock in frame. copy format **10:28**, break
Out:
**8:52**
